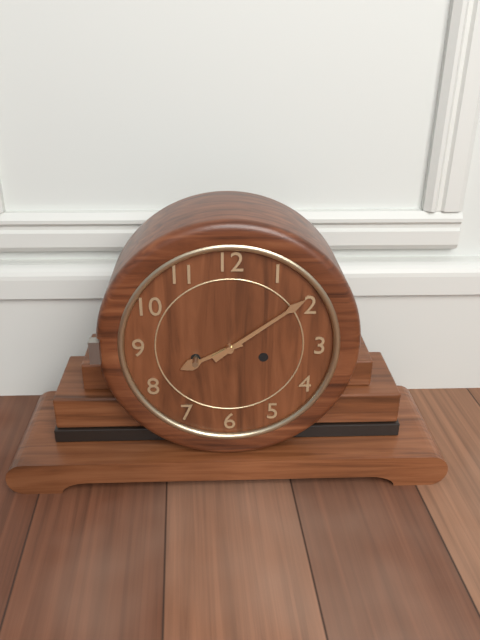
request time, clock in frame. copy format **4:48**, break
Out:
**8:09**
